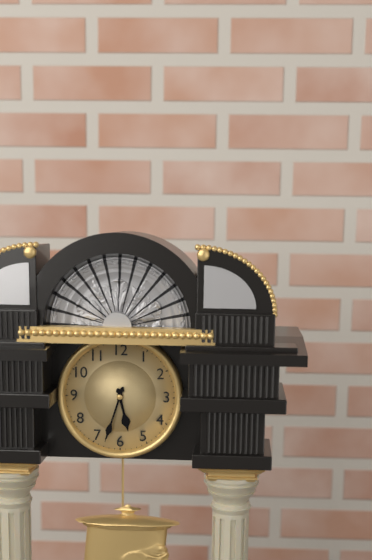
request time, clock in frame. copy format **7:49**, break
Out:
**5:33**
